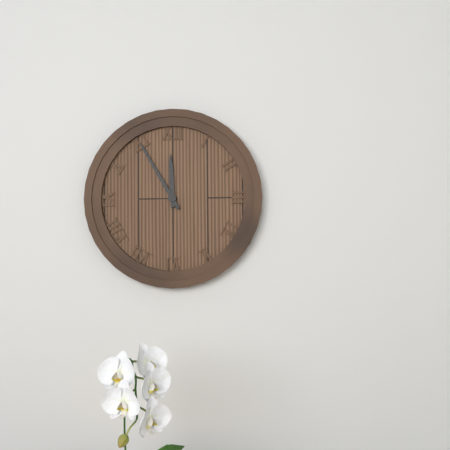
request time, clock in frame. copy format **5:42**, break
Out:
**11:55**
